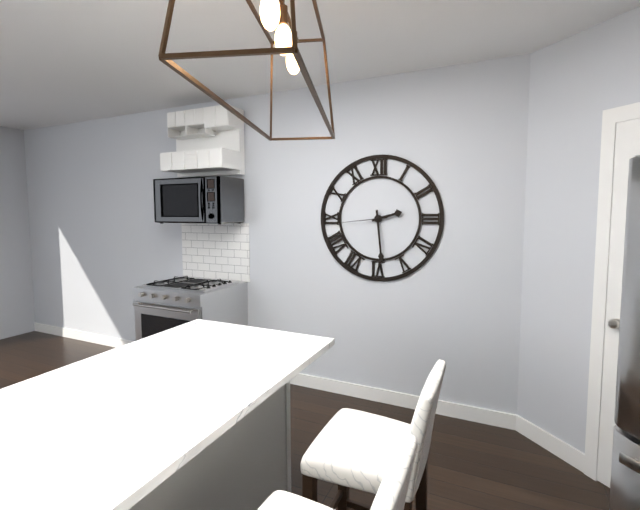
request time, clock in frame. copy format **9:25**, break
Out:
**2:29**
